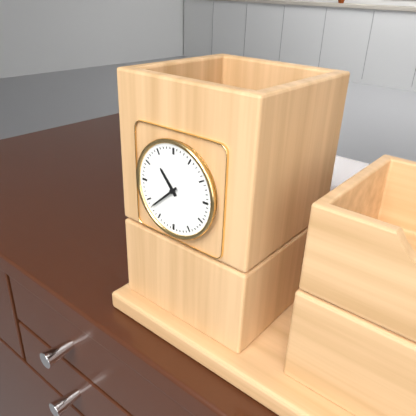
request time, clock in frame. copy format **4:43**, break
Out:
**10:38**
